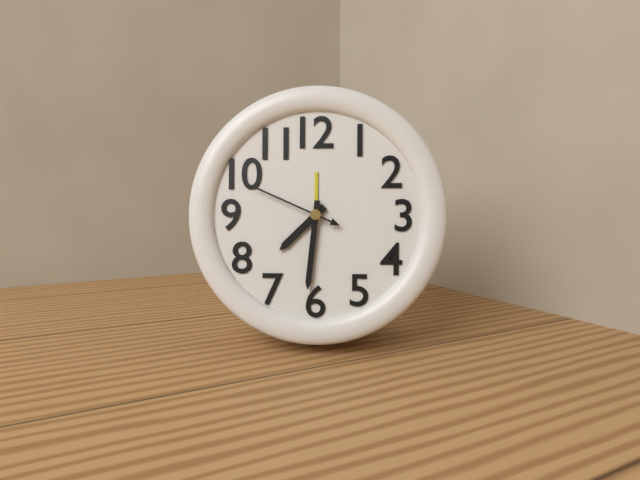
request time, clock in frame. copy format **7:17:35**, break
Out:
**7:31:49**
